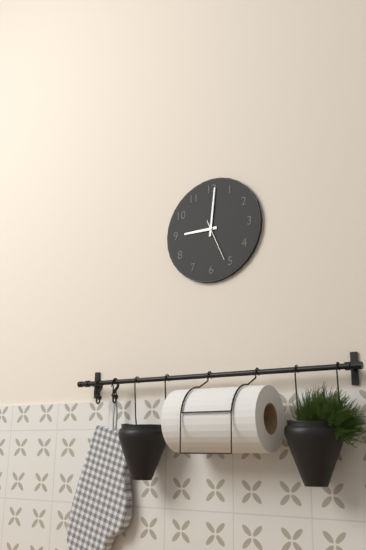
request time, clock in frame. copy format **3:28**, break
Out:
**9:01**
